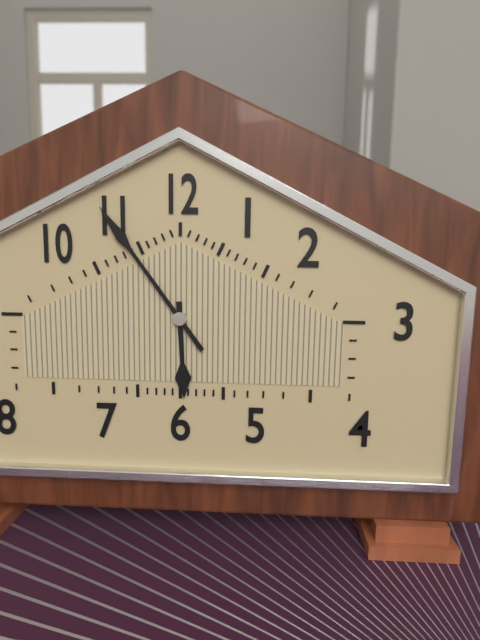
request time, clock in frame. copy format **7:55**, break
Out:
**5:54**
